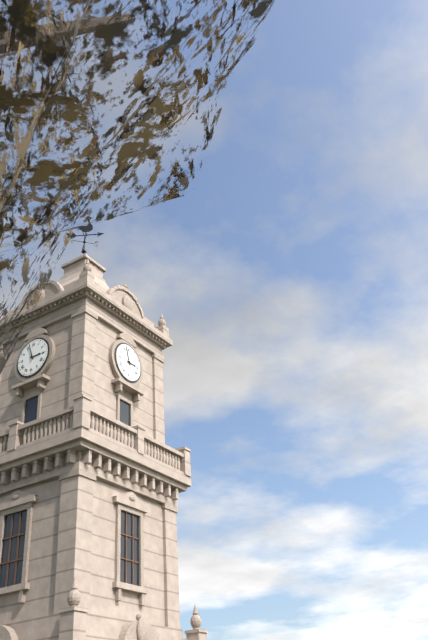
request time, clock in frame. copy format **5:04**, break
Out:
**2:57**
